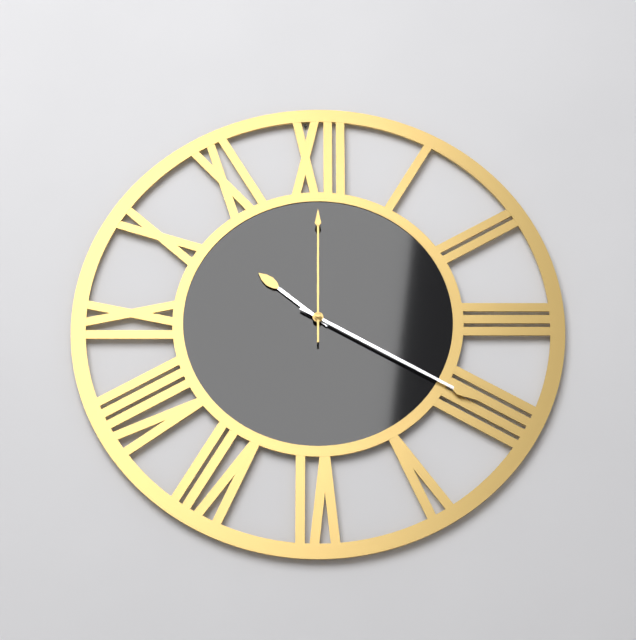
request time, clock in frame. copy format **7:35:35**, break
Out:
**10:20:00**
